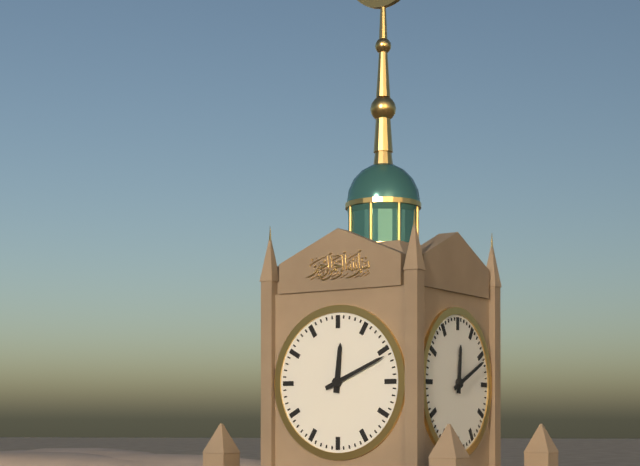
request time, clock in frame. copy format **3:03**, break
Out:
**12:11**
